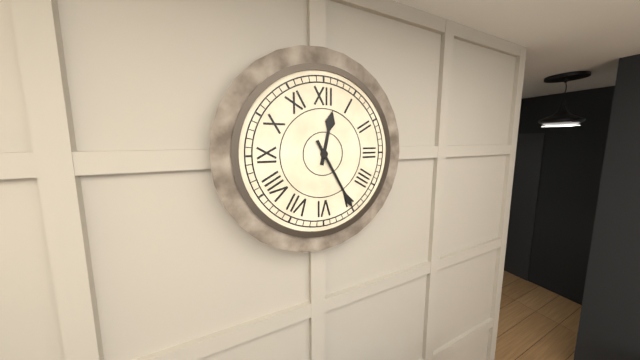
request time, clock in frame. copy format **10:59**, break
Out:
**12:25**
